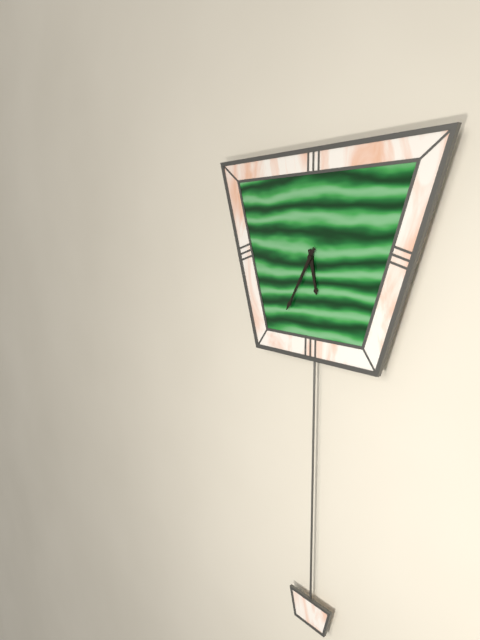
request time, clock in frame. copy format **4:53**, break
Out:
**5:35**
